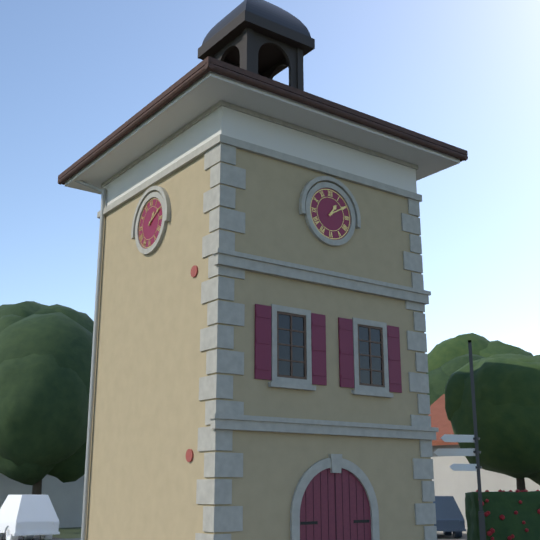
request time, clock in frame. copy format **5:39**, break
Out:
**1:10**
